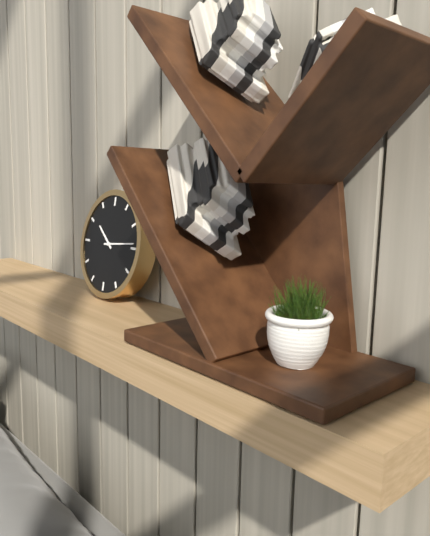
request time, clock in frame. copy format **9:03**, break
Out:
**10:14**
